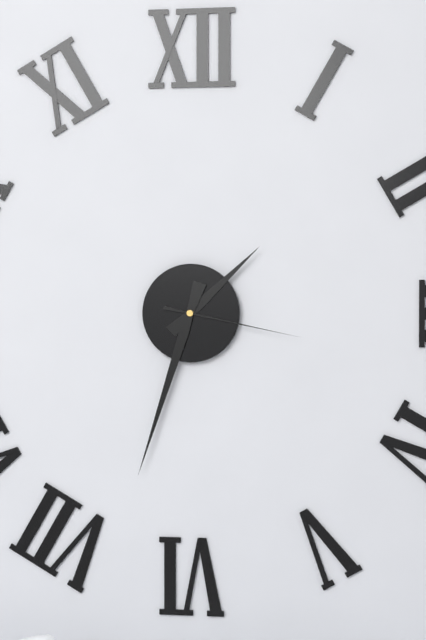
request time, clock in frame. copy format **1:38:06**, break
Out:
**1:33:17**
